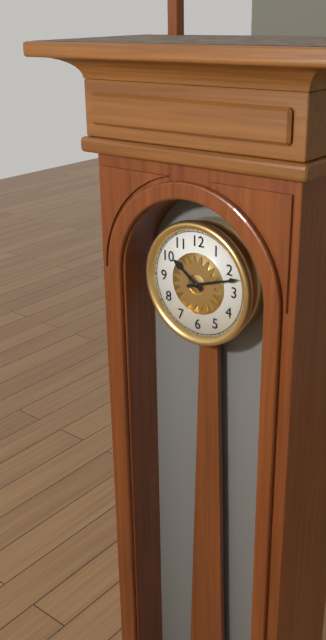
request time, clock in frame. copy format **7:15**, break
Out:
**10:12**
